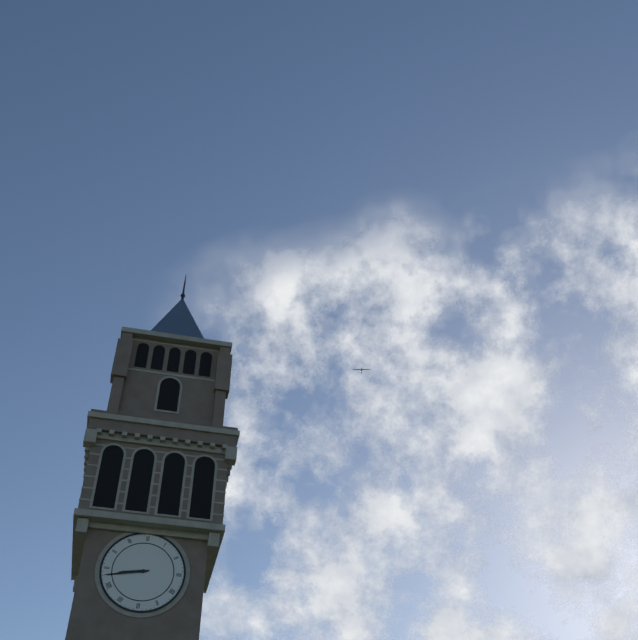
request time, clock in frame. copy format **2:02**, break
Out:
**8:43**
